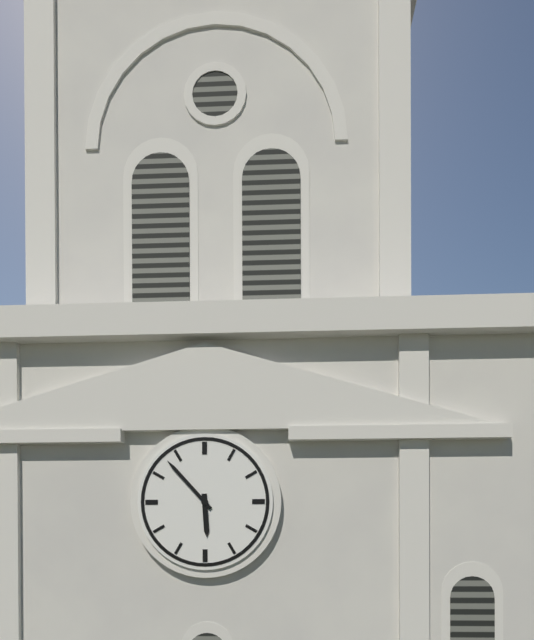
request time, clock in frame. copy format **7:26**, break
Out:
**5:53**
